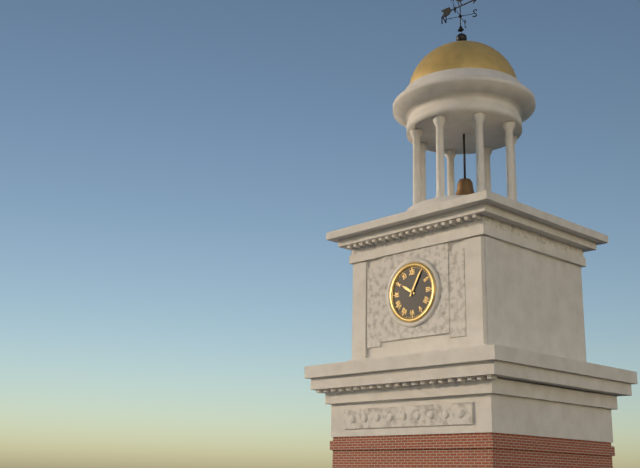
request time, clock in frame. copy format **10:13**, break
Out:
**10:05**
